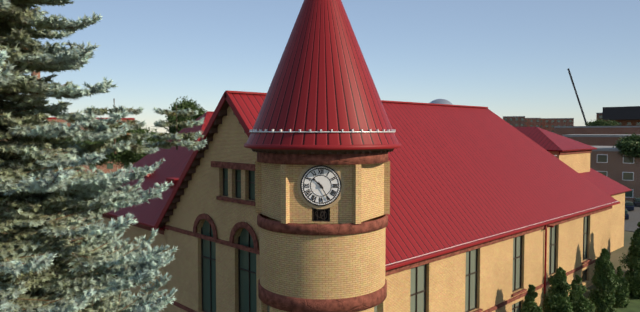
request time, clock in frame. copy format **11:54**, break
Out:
**10:25**
